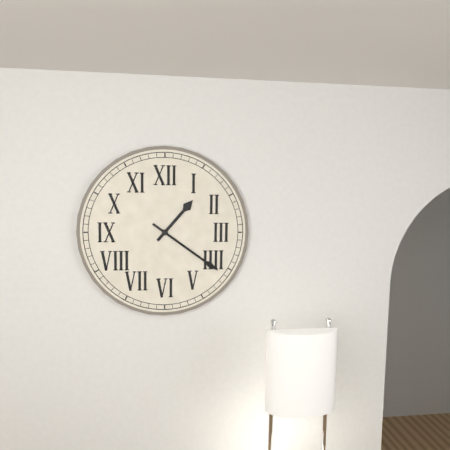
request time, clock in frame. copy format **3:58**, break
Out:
**1:21**
